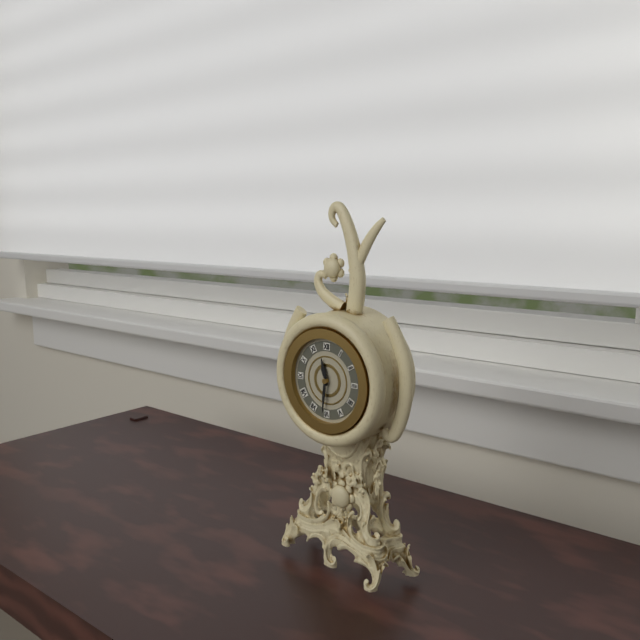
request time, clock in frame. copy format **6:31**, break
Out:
**11:31**
